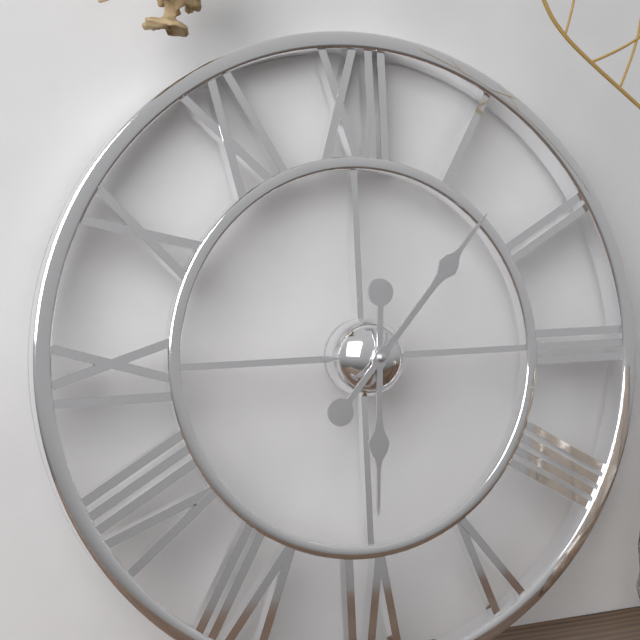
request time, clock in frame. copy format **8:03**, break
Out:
**6:07**
